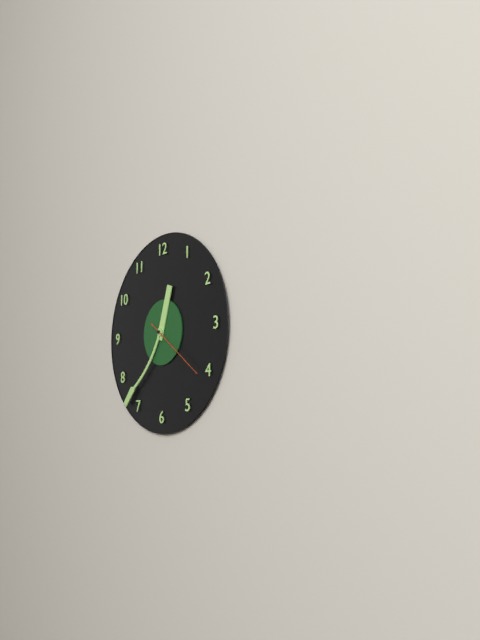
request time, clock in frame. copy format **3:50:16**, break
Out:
**12:37:21**
